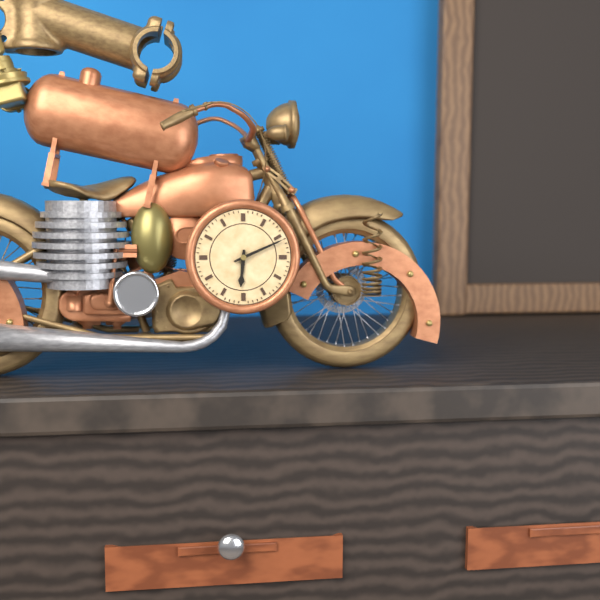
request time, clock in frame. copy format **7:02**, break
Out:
**6:11**
